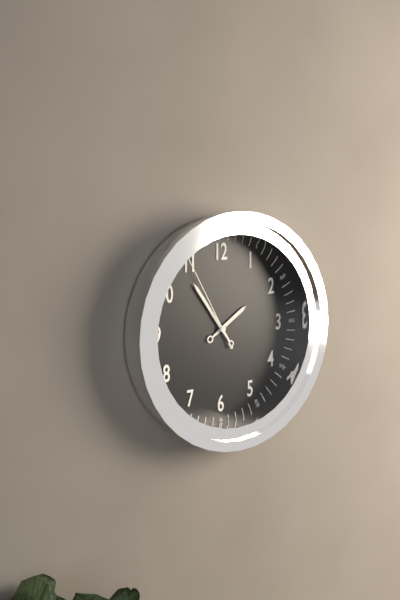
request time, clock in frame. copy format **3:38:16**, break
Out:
**1:54:55**
